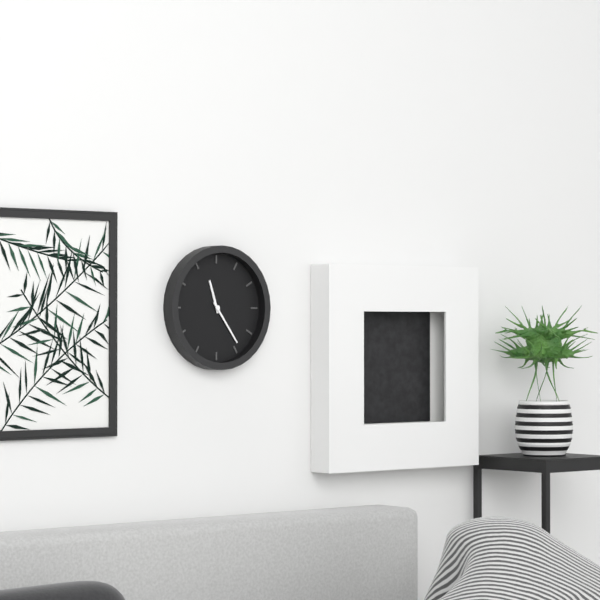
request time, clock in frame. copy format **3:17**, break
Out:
**11:24**
